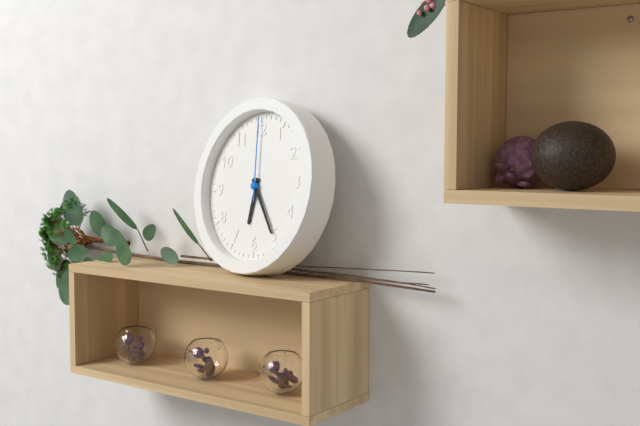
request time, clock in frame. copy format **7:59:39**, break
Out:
**6:25:00**
